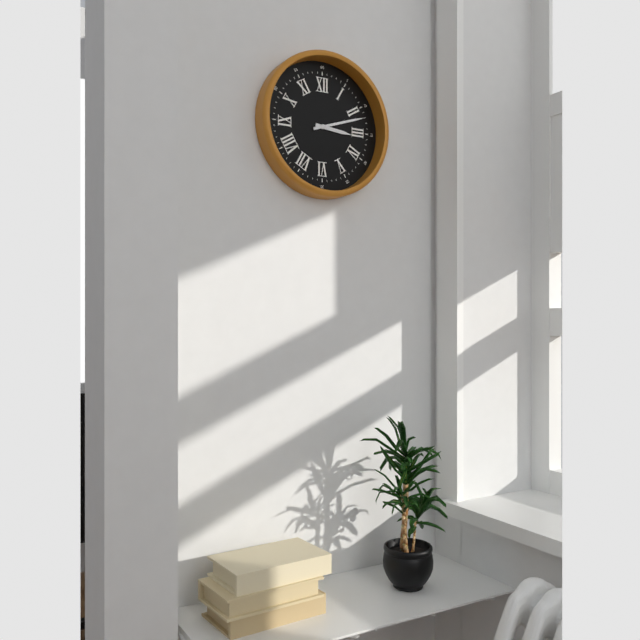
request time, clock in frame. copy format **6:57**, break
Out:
**3:12**
